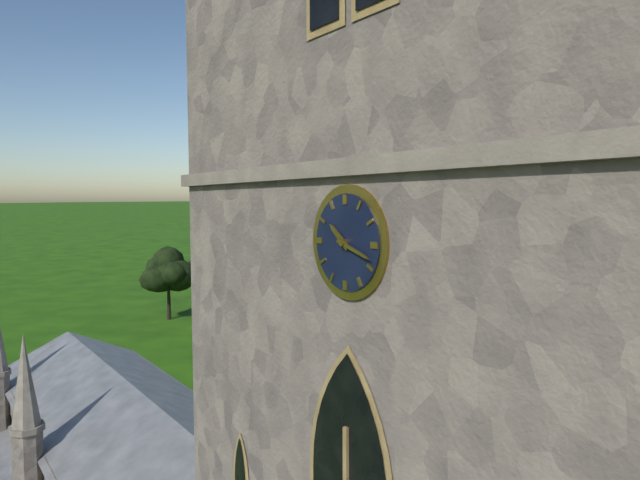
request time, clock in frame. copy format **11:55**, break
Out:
**10:18**
